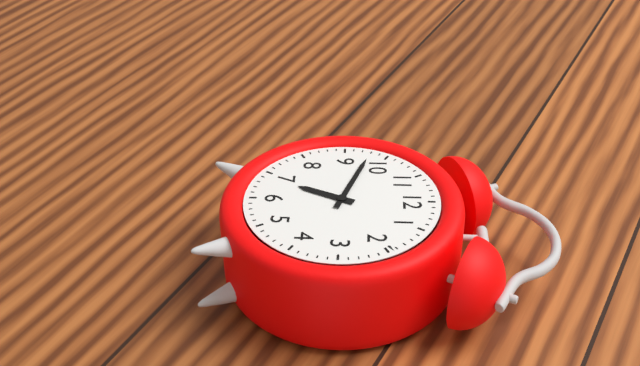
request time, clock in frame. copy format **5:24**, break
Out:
**6:48**
